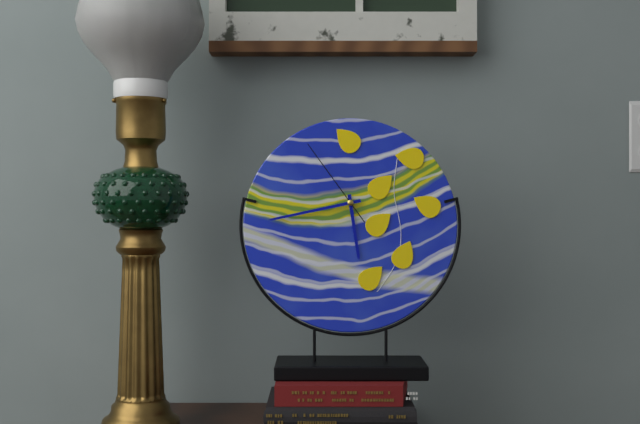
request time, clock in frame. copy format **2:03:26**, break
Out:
**5:43:54**
